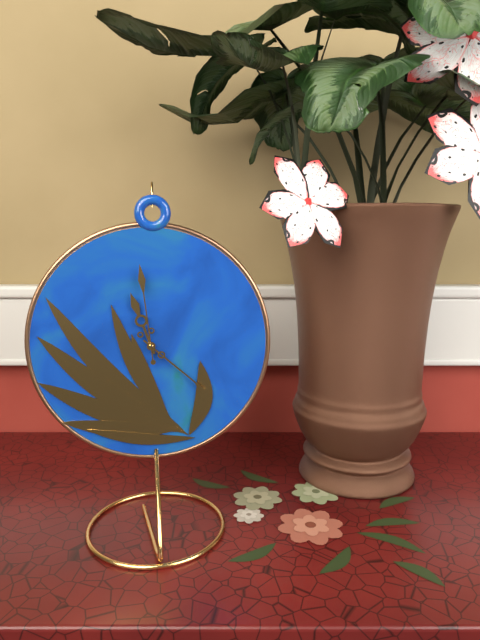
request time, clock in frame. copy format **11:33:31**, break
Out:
**11:22:59**
